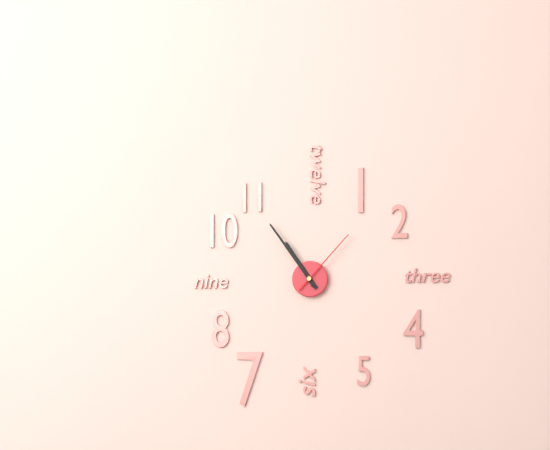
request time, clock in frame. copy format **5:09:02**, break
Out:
**10:54:07**
